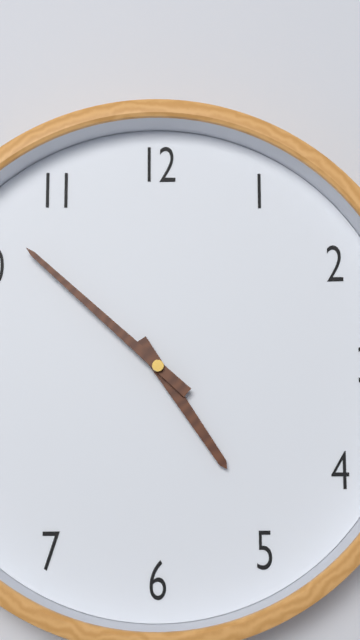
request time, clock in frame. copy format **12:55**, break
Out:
**4:52**
